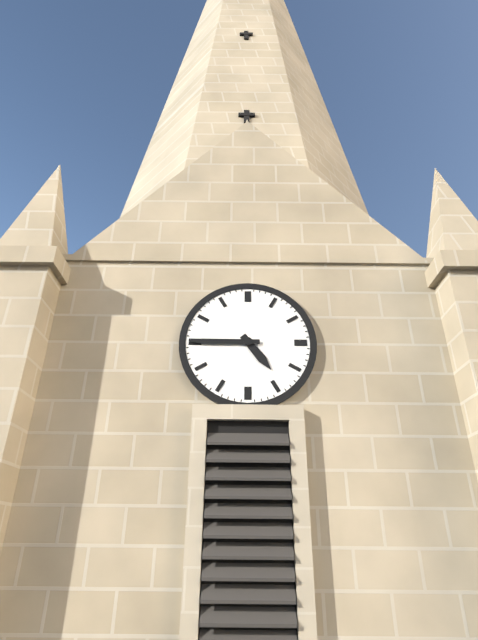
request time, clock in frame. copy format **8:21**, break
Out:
**4:45**
